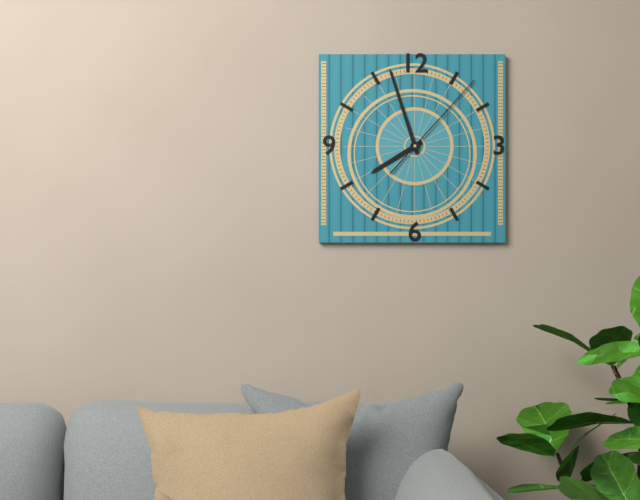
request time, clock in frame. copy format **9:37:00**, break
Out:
**7:57:07**
